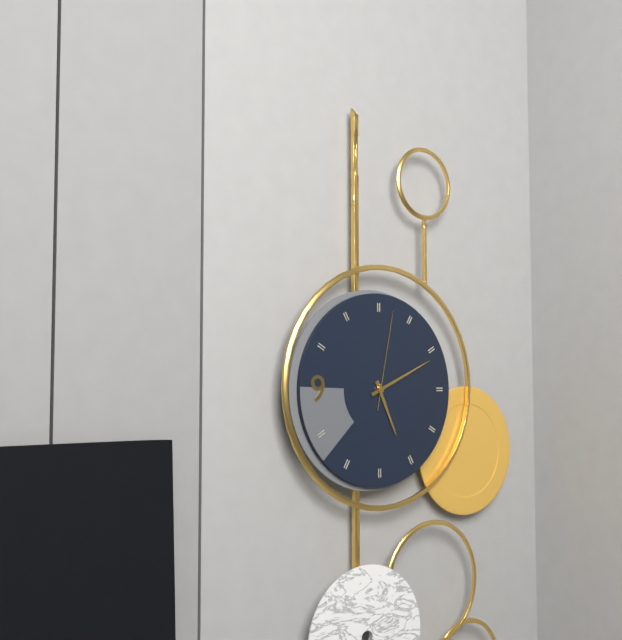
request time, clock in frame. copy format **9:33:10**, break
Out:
**5:11:02**
